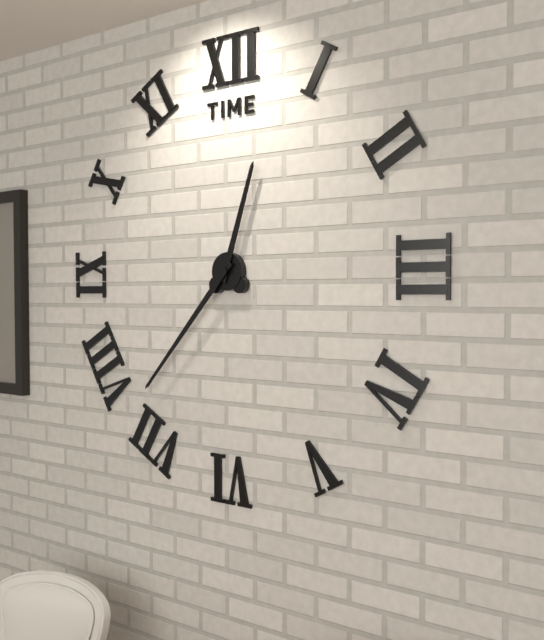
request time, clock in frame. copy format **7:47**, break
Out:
**12:37**
